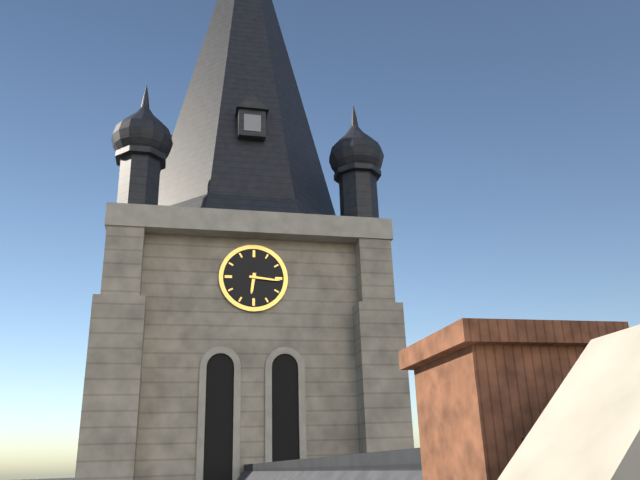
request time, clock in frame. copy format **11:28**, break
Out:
**6:16**
